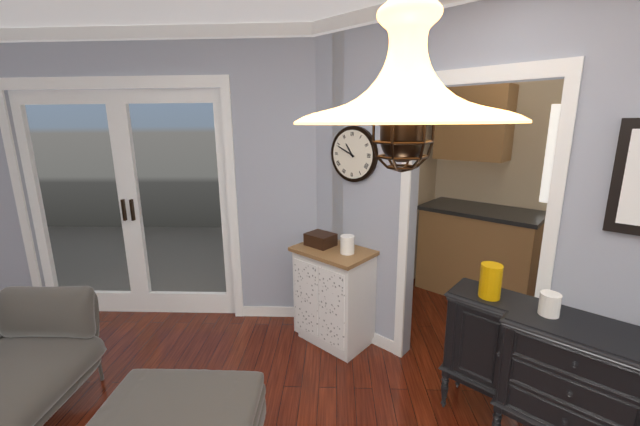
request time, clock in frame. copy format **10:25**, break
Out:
**10:49**
